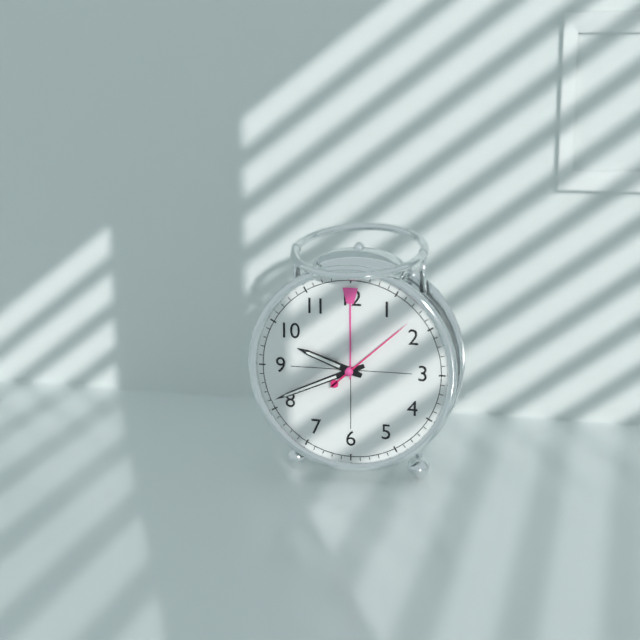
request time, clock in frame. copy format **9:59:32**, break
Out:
**9:41:08**
